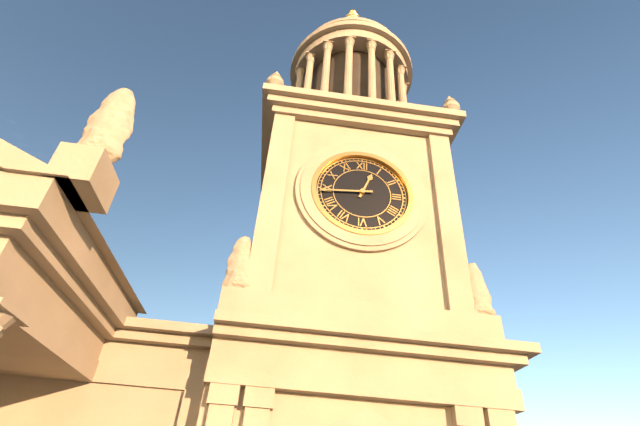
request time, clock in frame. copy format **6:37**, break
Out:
**12:44**
